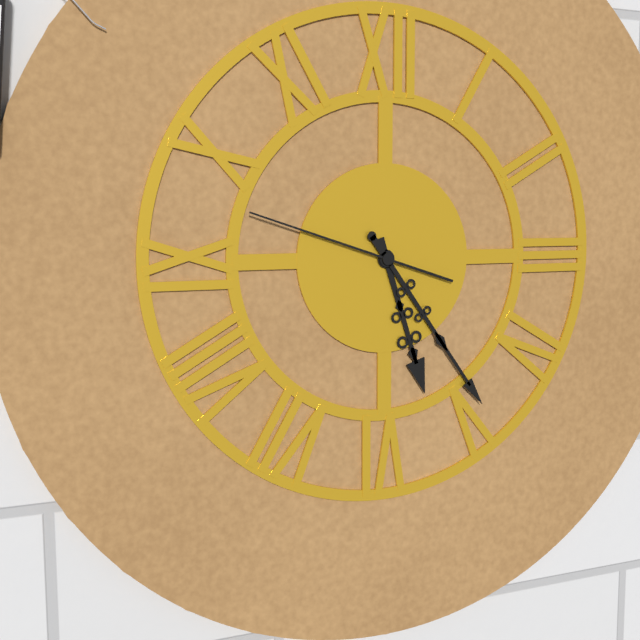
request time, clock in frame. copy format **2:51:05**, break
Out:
**5:24:48**
